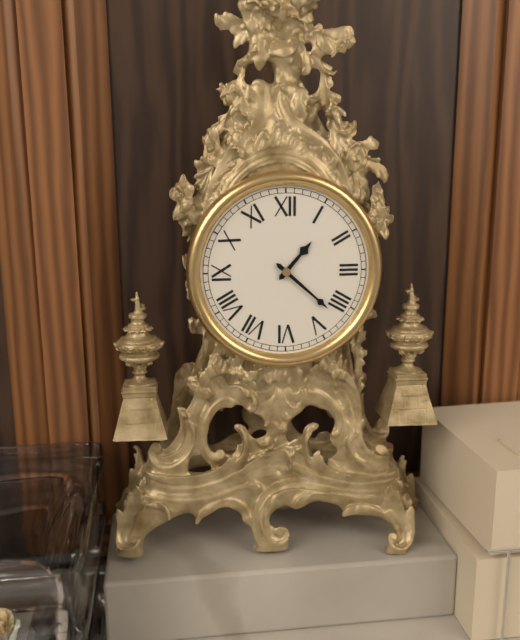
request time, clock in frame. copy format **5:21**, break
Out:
**1:22**
